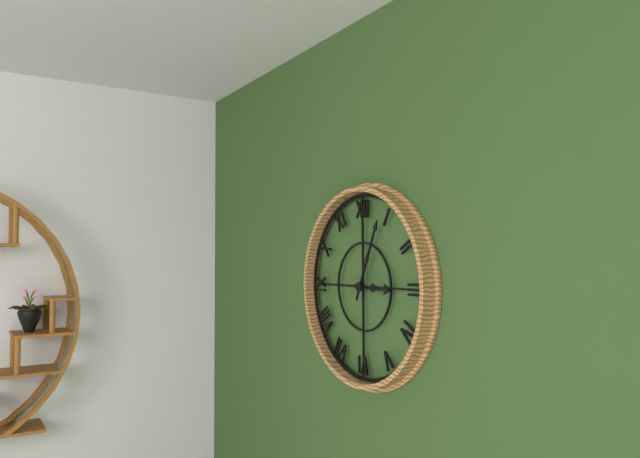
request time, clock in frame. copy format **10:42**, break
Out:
**3:04**
